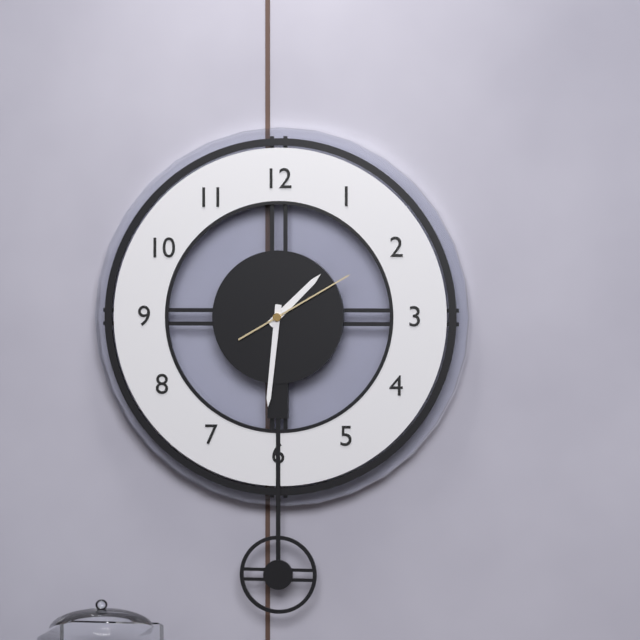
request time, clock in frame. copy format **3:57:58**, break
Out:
**1:31:10**
